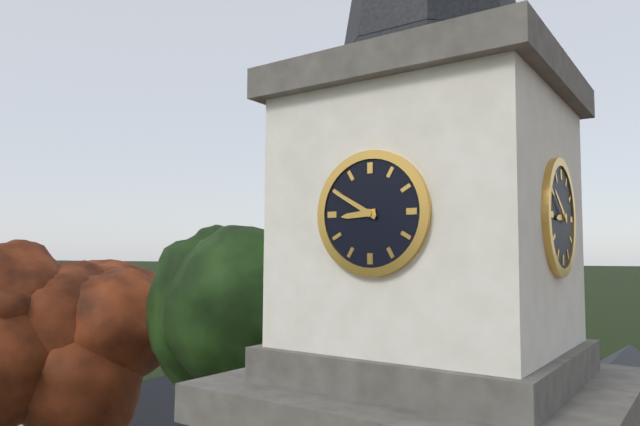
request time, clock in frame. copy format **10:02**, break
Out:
**8:50**
